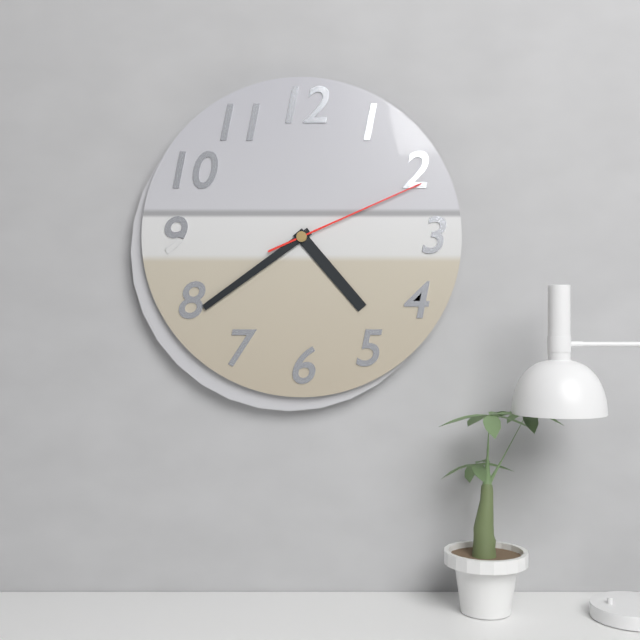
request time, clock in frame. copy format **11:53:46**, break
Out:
**4:39:11**
